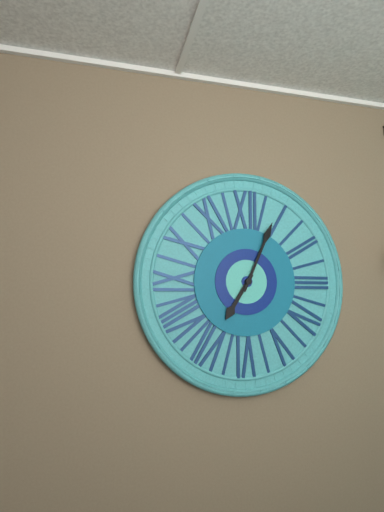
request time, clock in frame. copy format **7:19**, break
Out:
**7:04**
